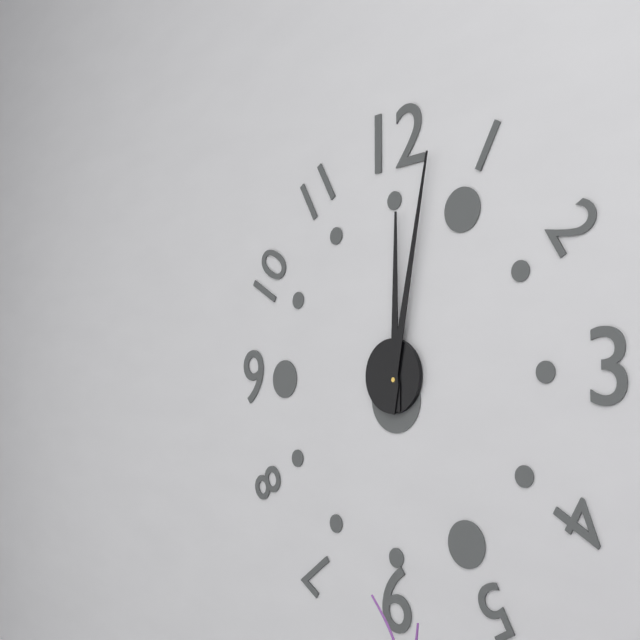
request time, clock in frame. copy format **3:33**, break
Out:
**12:02**
